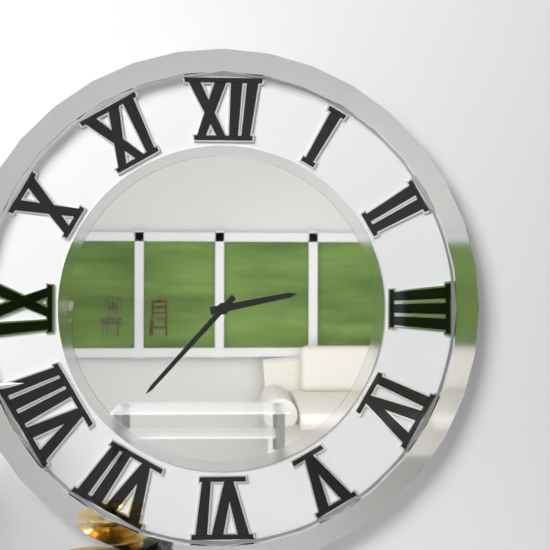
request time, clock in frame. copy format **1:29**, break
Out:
**2:37**
